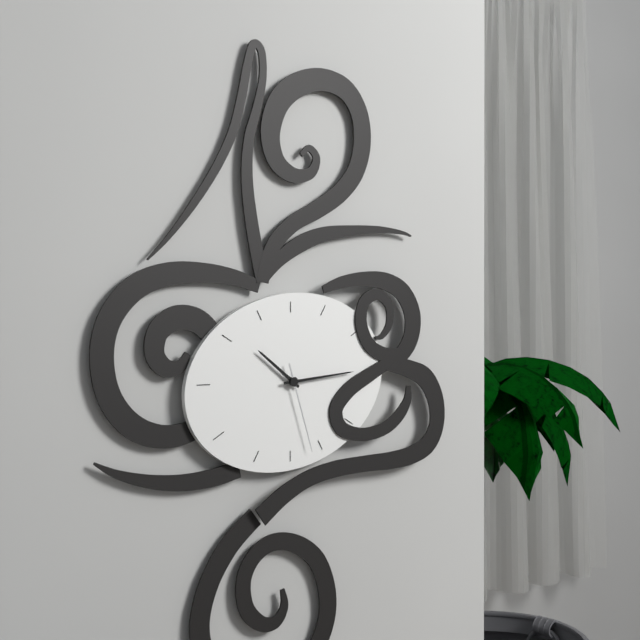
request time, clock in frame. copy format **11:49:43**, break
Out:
**10:14:27**
